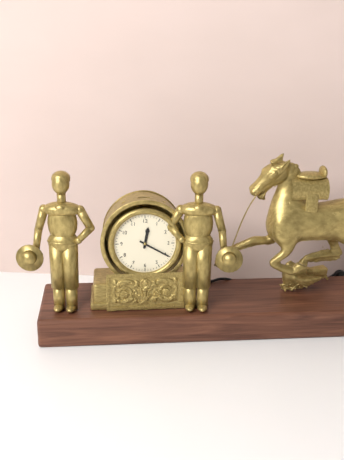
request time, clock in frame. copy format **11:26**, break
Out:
**12:20**
